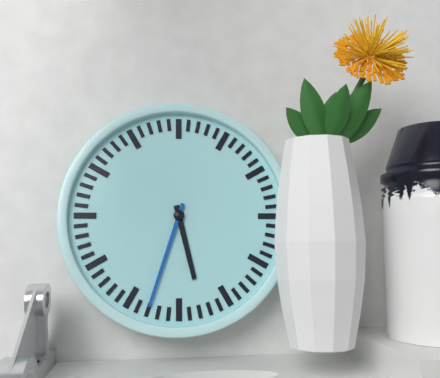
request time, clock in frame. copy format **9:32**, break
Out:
**5:33**
